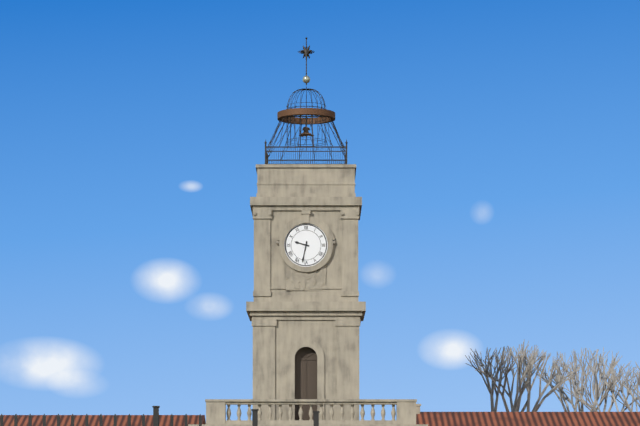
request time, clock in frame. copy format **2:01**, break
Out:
**9:32**
